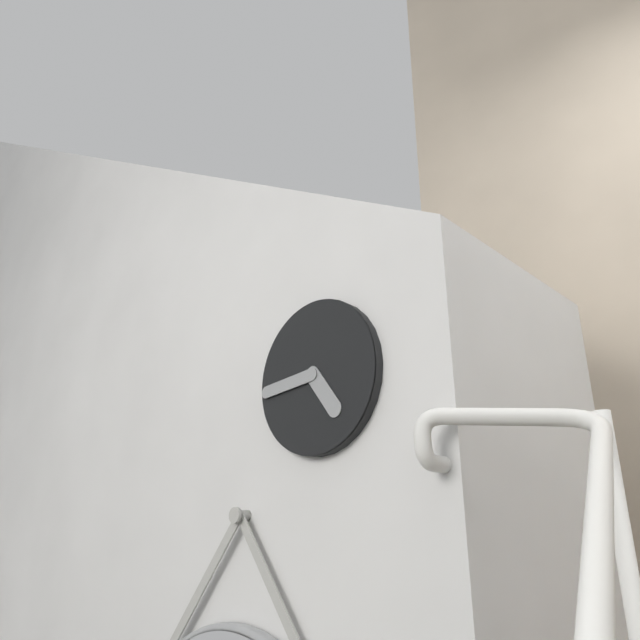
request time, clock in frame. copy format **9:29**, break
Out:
**4:44**
